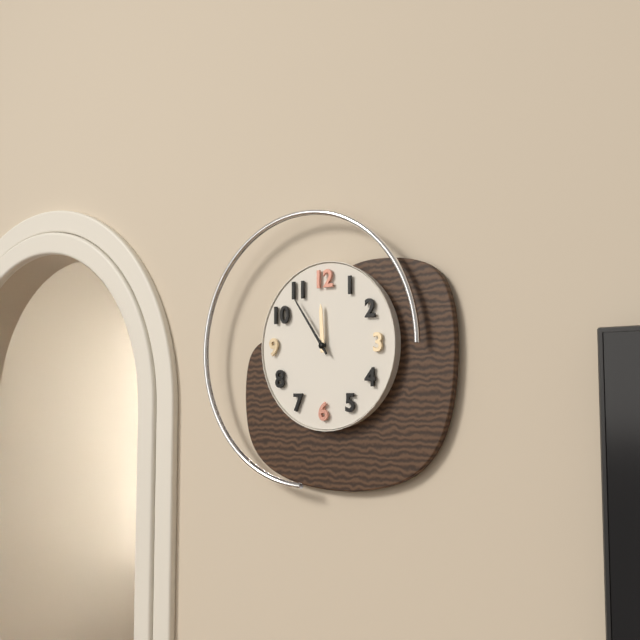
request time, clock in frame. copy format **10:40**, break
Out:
**11:54**
